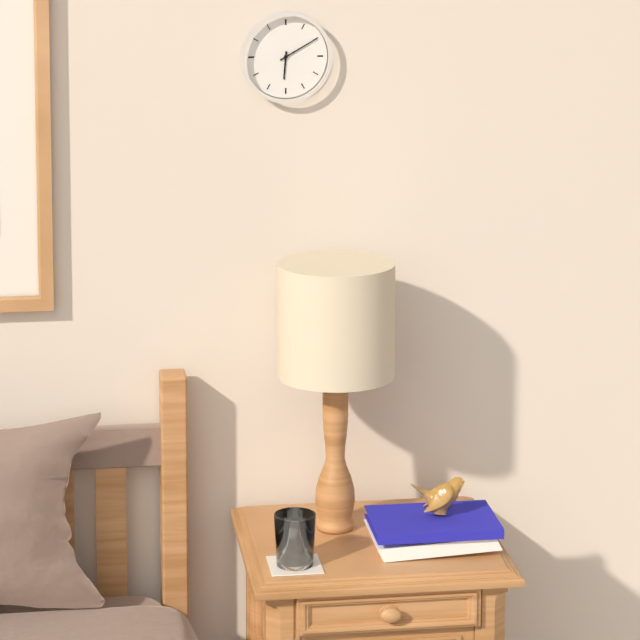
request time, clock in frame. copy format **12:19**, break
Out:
**6:10**
